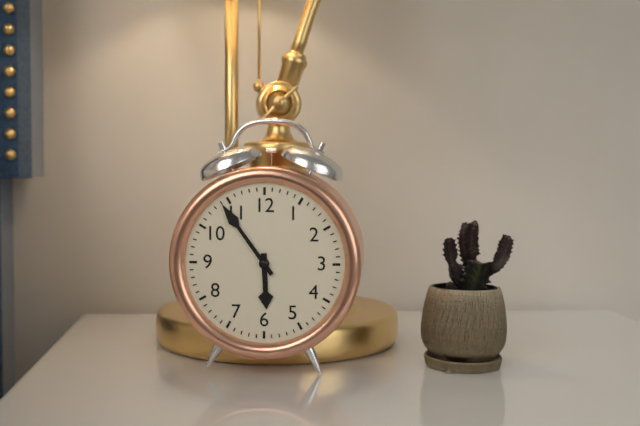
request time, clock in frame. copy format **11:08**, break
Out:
**5:54**
